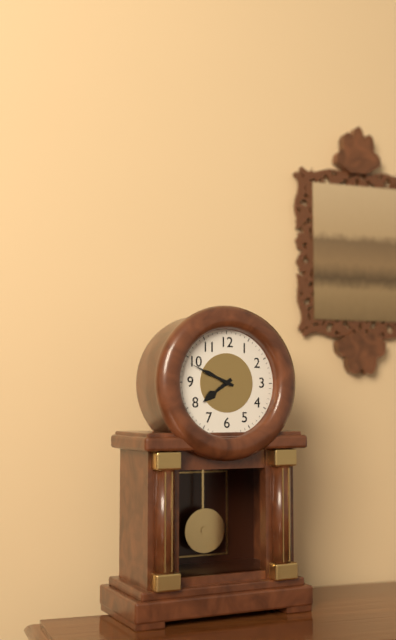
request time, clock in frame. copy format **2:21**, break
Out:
**7:49**
